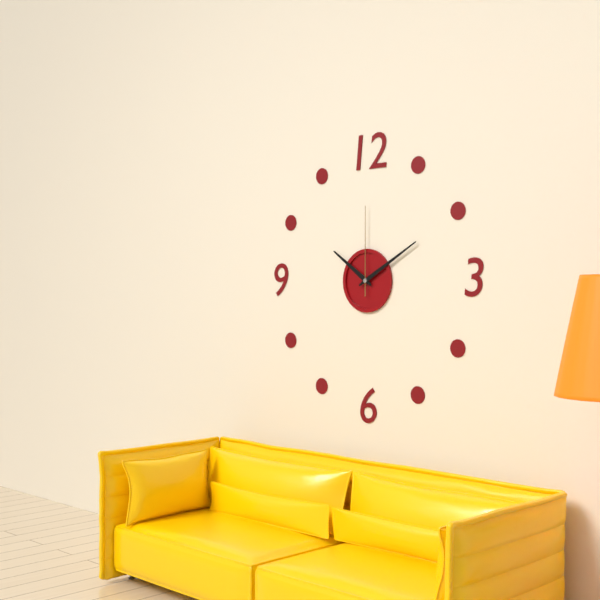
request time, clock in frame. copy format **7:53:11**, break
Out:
**10:10:00**
